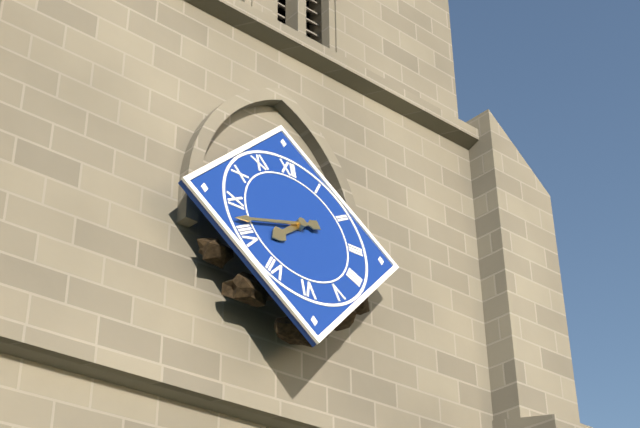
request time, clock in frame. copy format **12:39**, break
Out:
**7:42**
